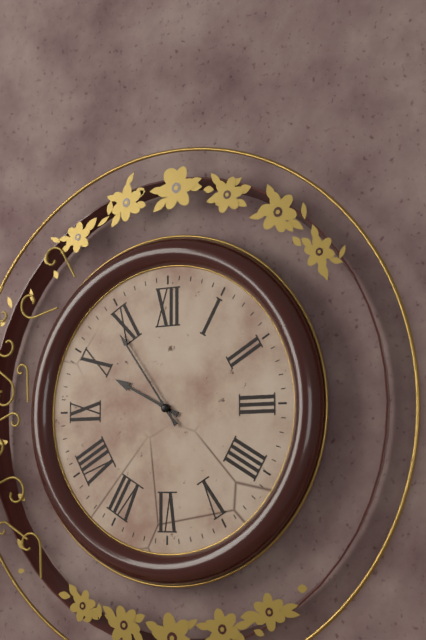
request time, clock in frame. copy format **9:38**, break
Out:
**9:54**
